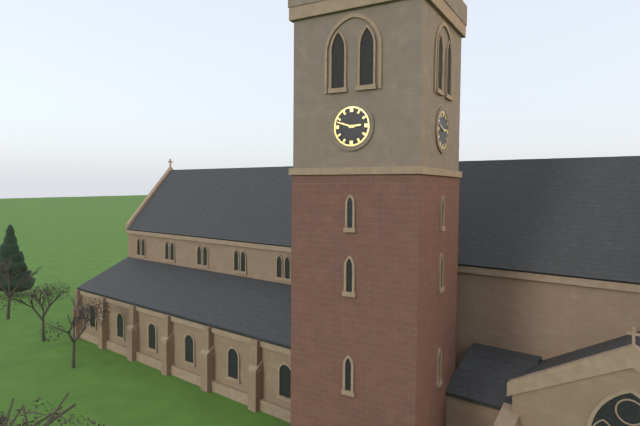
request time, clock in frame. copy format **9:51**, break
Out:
**2:48**
